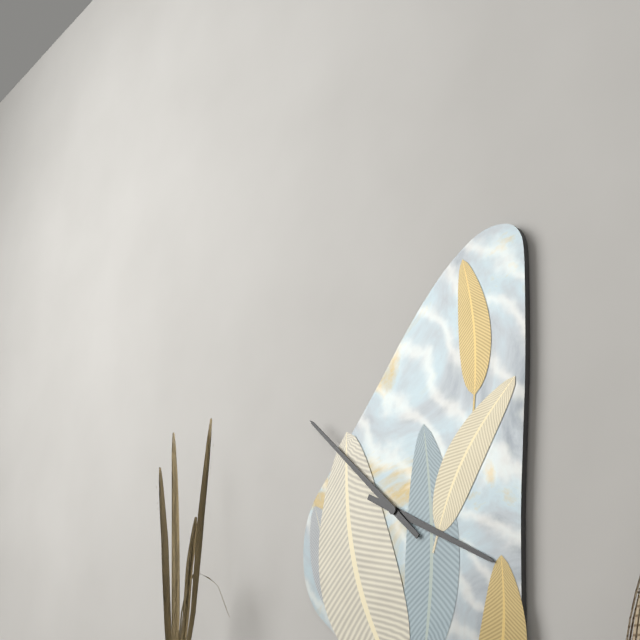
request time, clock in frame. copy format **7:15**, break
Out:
**3:52**
